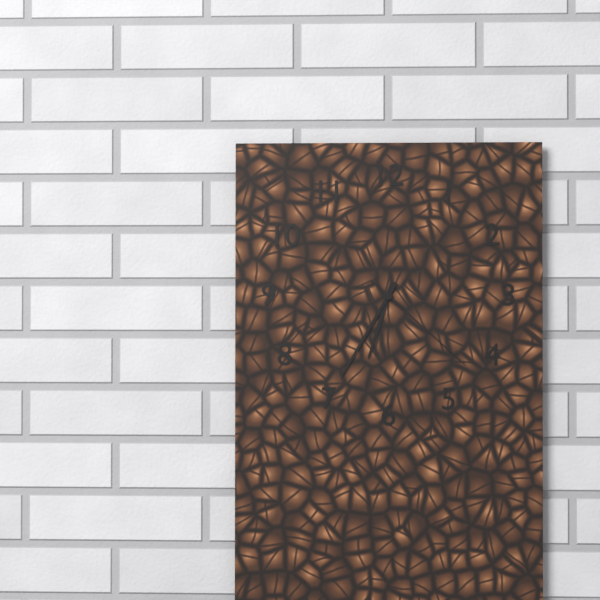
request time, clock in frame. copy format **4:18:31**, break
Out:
**6:35:22**
